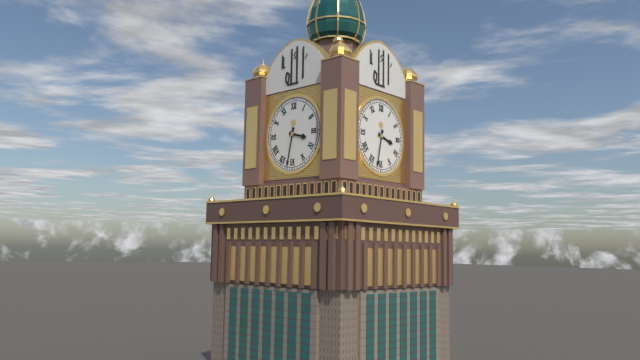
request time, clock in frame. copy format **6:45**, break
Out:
**3:32**
